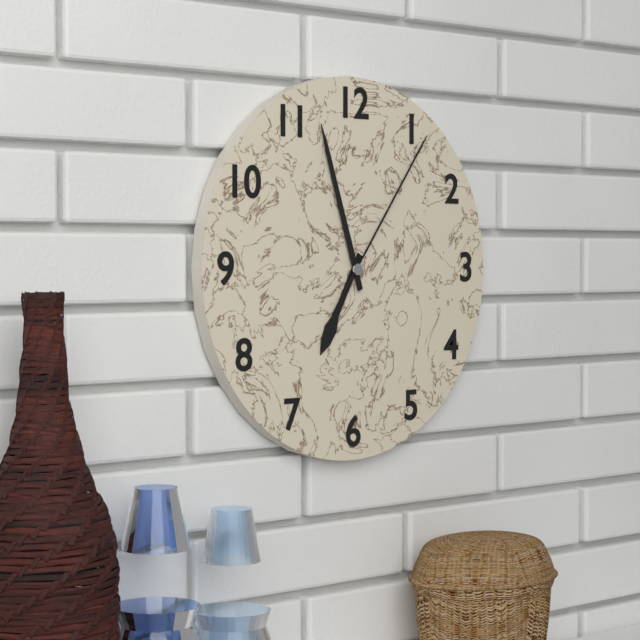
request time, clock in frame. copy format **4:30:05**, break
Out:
**6:57:06**
